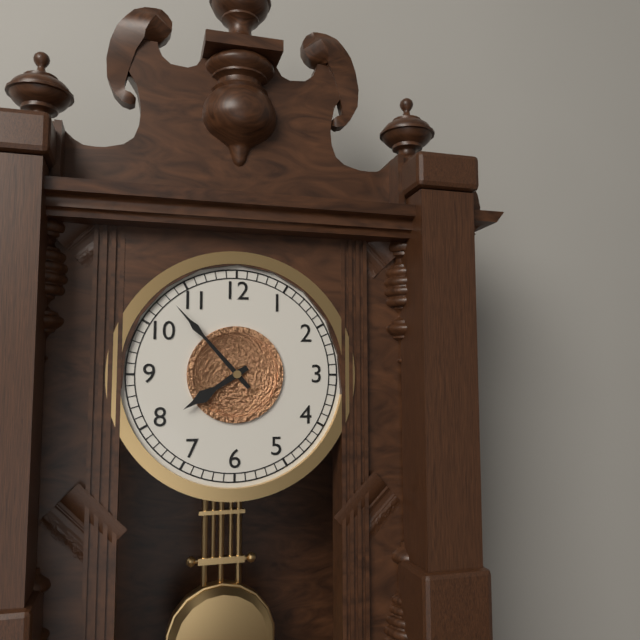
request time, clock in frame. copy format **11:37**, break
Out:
**7:53**
